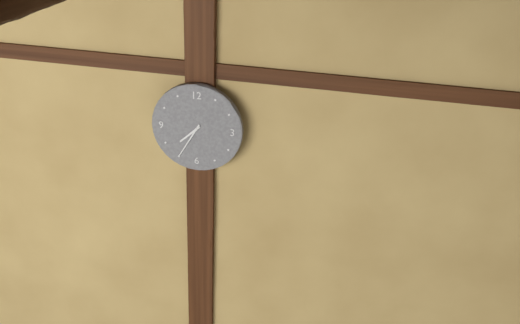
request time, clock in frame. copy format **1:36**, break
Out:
**7:35**
